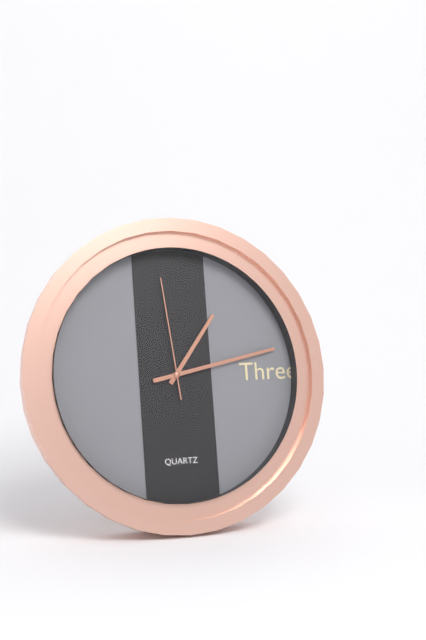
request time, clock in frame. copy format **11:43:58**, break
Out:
**1:13:59**
